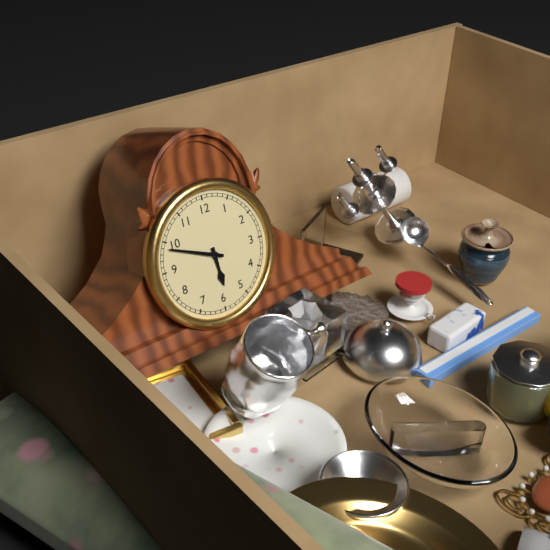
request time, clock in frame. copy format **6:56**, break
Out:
**5:49**
